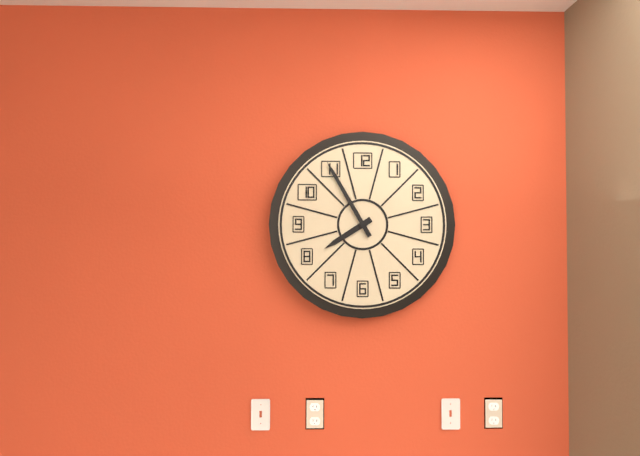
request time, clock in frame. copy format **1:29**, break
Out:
**7:55**
